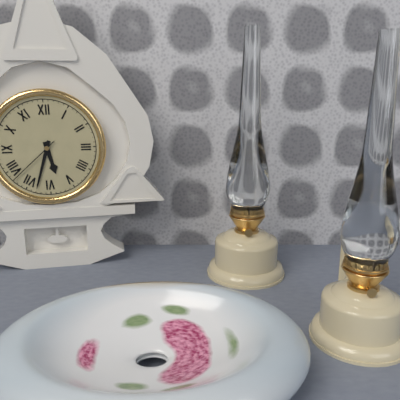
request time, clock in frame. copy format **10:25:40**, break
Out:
**5:33:38**
